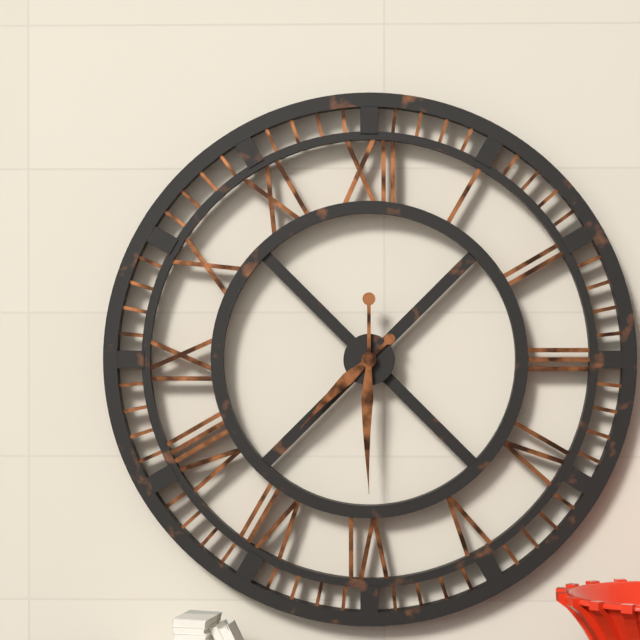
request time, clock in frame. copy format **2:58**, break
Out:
**7:30**
